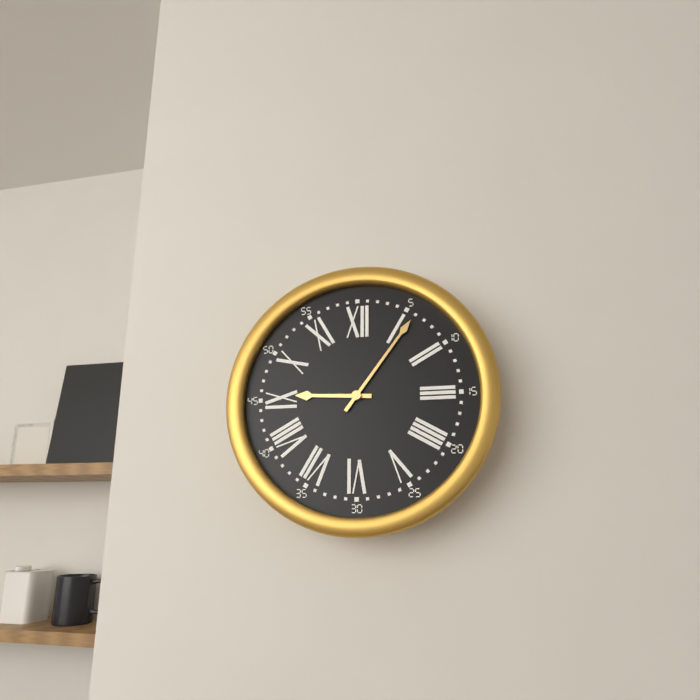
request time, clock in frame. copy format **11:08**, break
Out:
**9:06**
